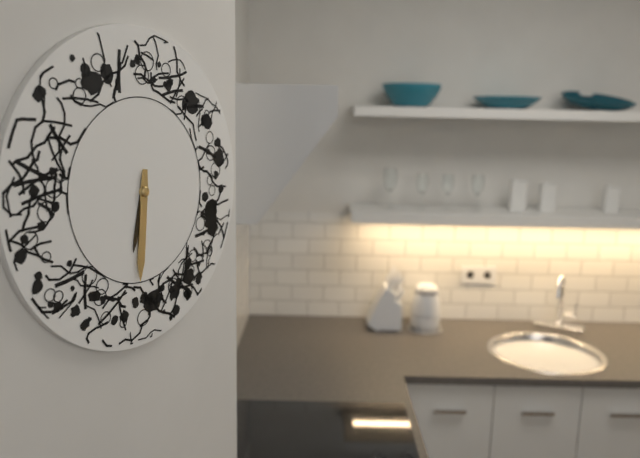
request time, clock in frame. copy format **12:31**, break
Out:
**6:31**
